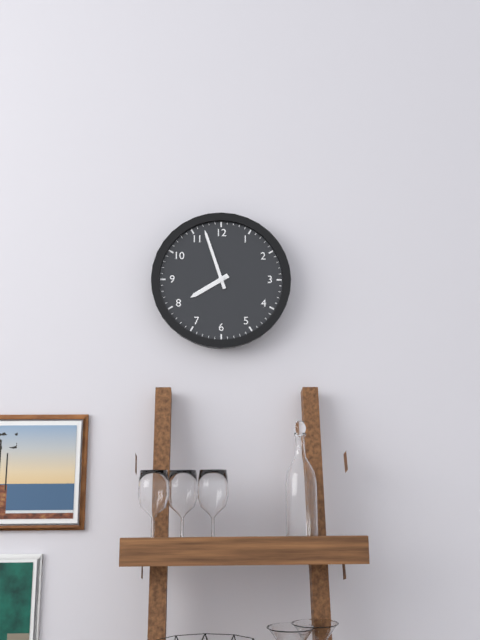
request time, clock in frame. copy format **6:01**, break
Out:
**7:57**
